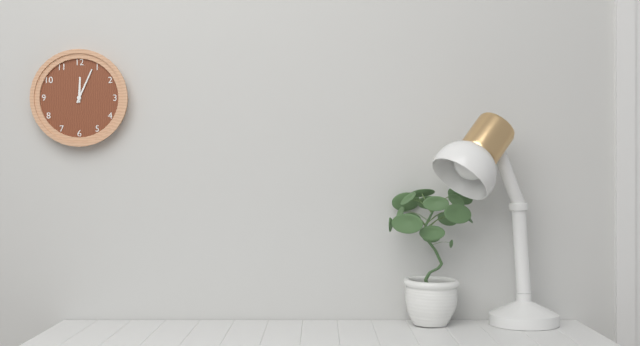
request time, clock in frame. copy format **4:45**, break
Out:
**12:04**
